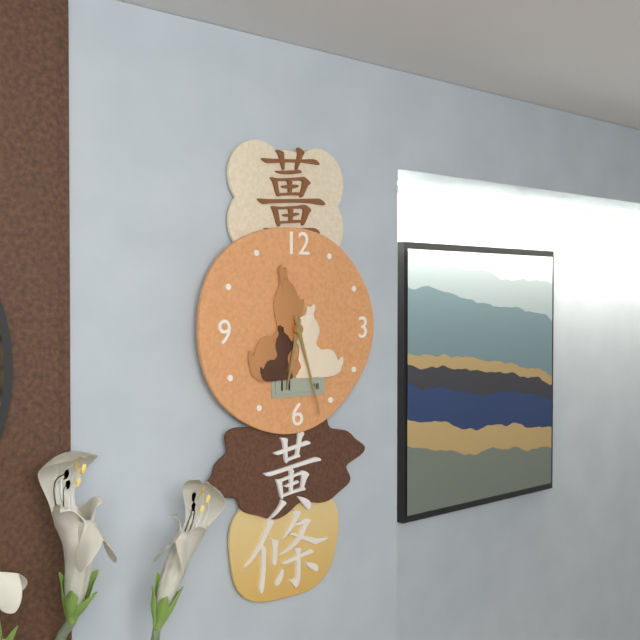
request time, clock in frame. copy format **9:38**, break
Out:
**6:27**
